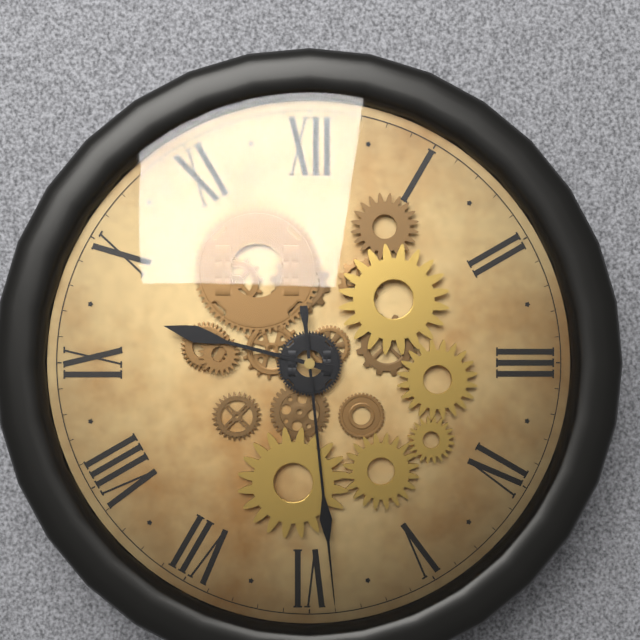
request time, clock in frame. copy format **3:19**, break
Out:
**9:29**
